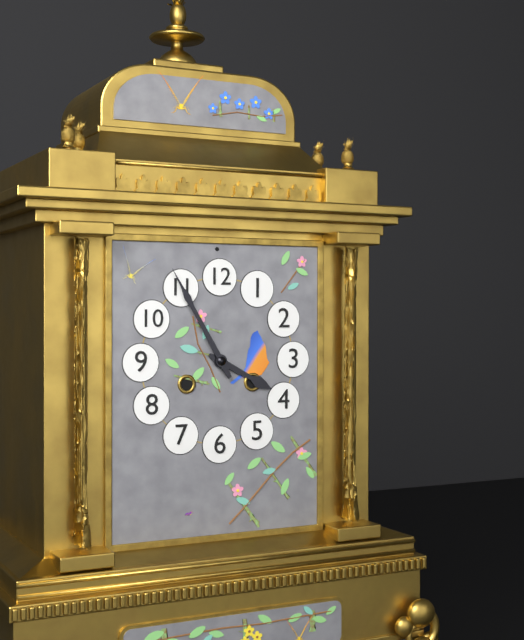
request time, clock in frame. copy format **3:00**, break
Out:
**3:55**
